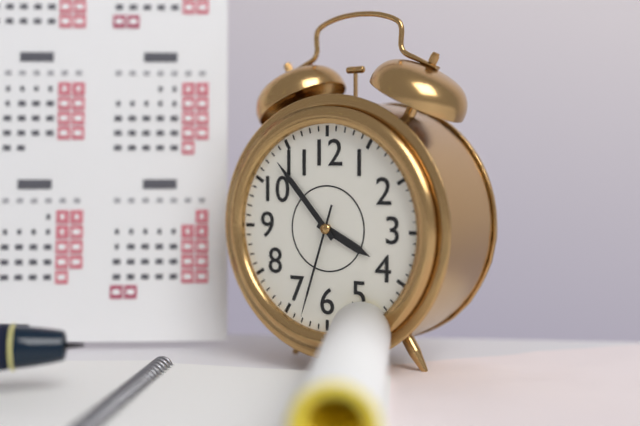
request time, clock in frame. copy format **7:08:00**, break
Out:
**3:53:33**
